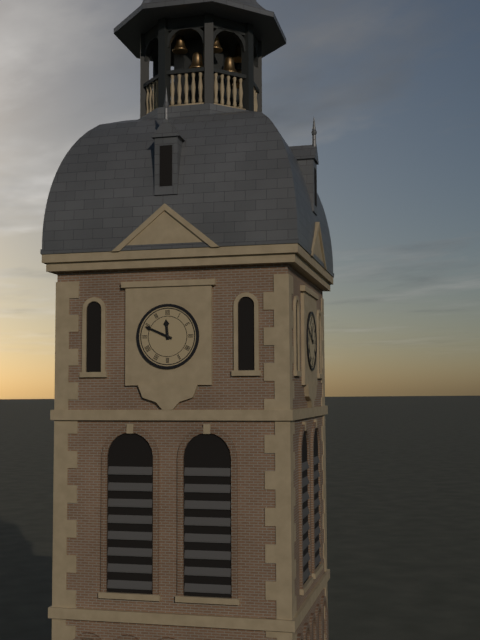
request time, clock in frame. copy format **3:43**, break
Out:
**11:49**
